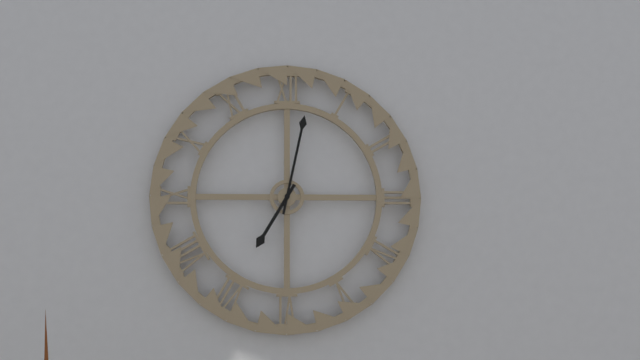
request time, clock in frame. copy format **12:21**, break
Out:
**7:02**
